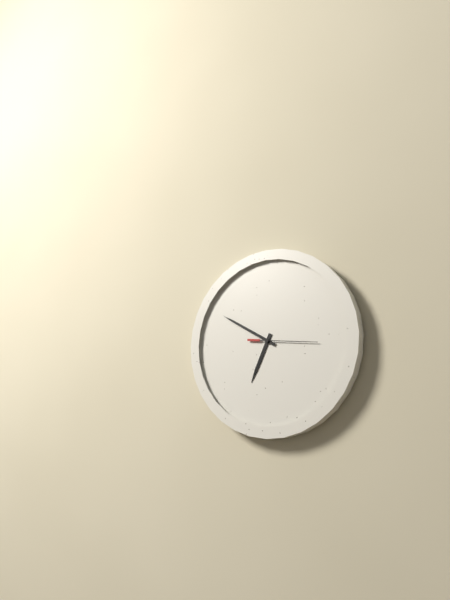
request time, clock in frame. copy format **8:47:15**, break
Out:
**6:50:16**
